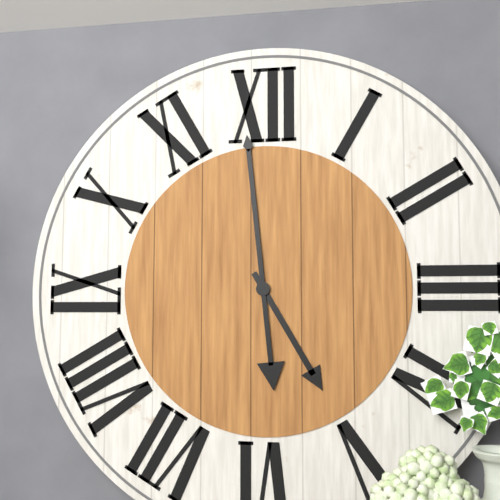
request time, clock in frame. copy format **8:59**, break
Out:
**4:59**
